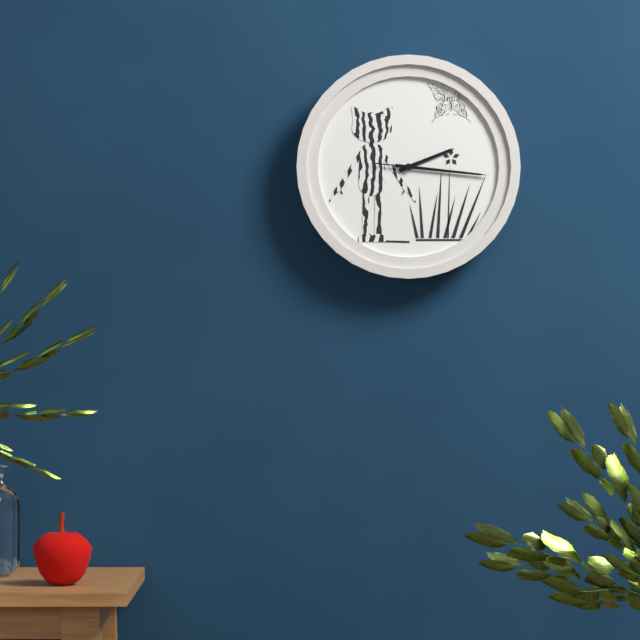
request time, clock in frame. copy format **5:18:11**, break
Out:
**2:16:16**
